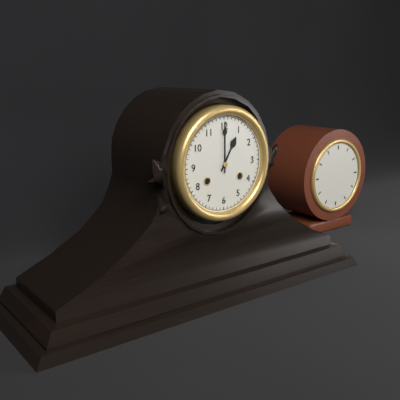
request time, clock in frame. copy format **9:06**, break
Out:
**1:00**
